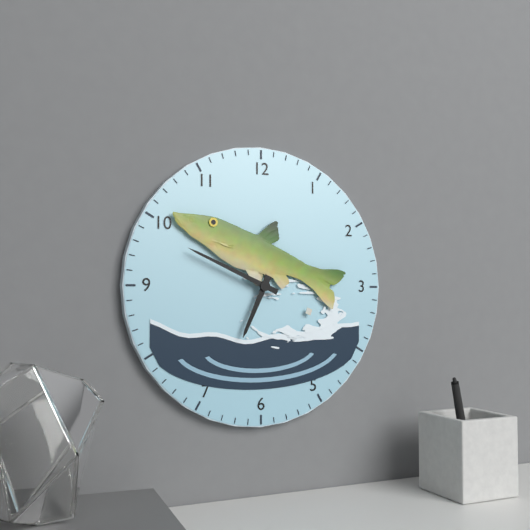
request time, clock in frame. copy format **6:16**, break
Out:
**6:49**
